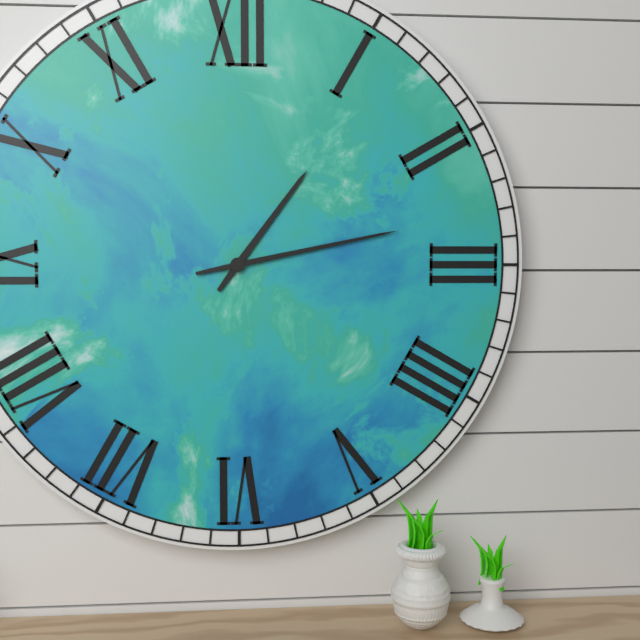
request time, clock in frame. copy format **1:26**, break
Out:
**1:13**
